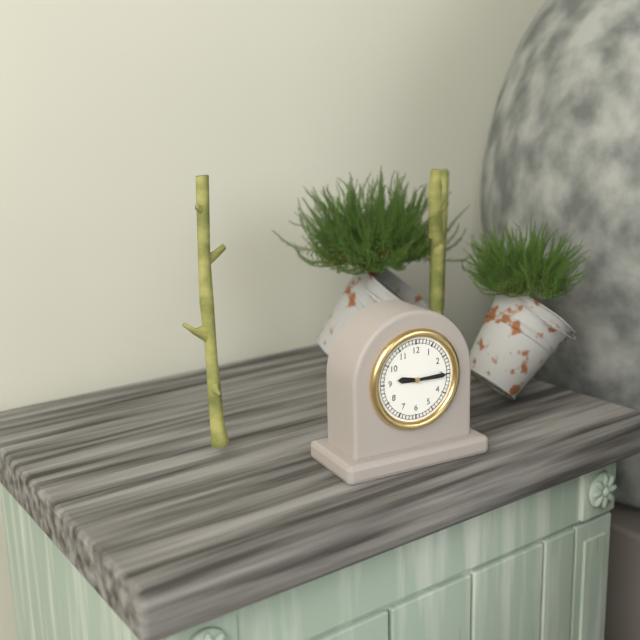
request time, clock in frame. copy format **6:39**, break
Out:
**9:15**
